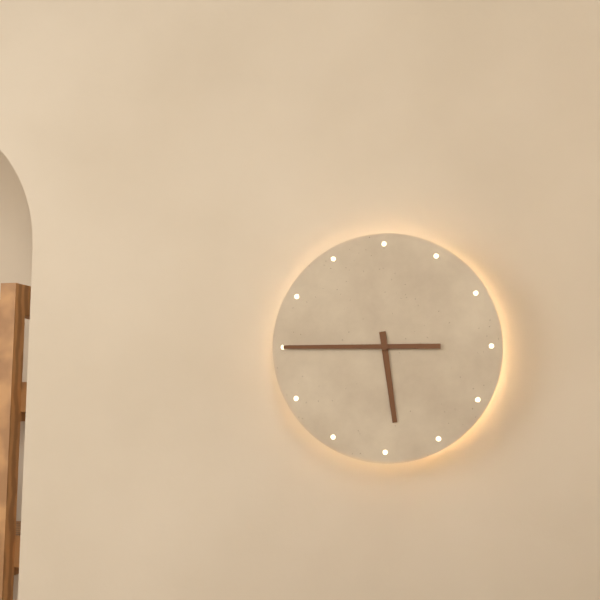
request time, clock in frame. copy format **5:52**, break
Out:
**5:45**
